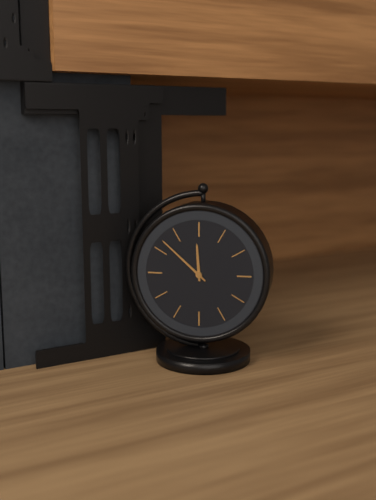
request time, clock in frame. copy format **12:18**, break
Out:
**11:52**
